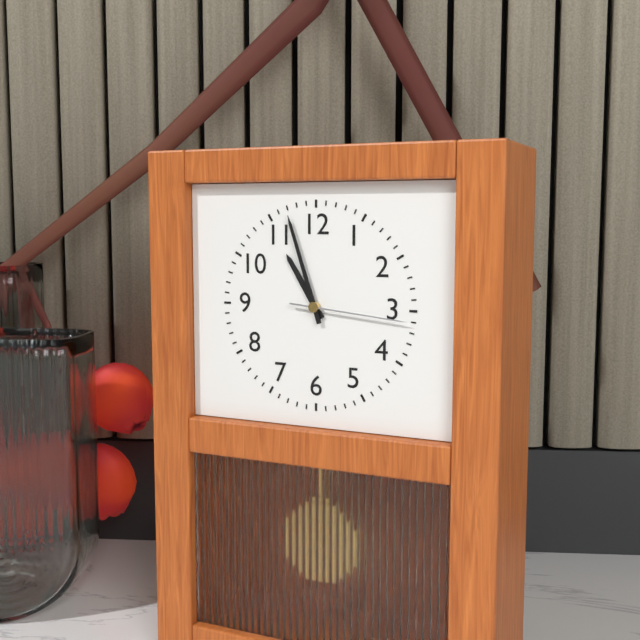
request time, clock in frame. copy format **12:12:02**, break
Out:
**10:57:16**
